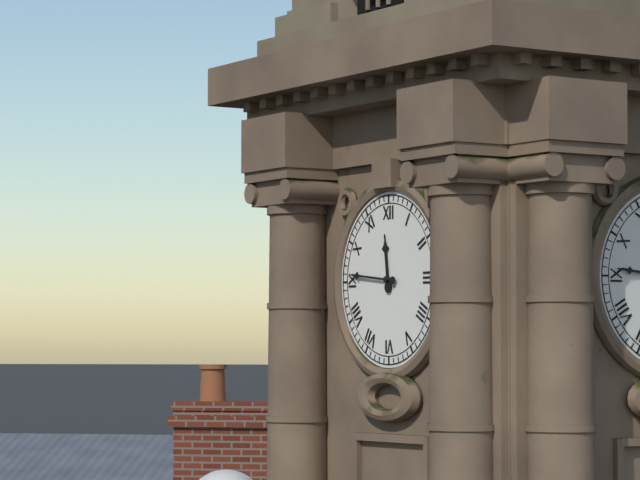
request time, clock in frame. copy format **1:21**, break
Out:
**11:46**
